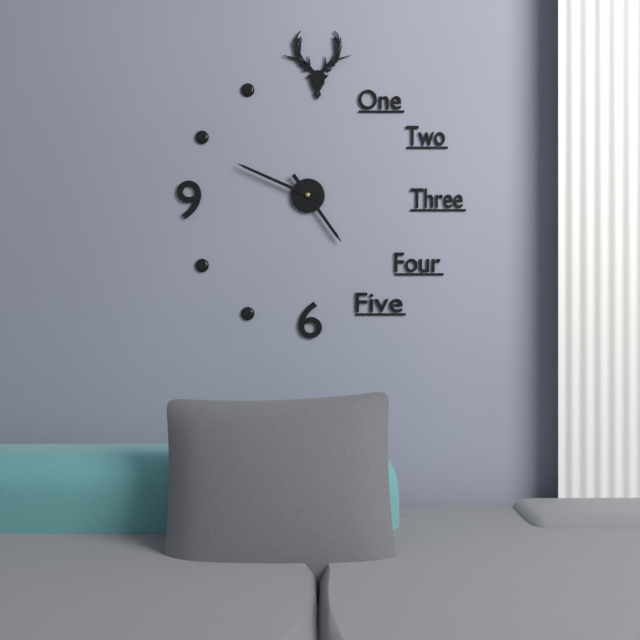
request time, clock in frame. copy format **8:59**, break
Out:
**4:49**
